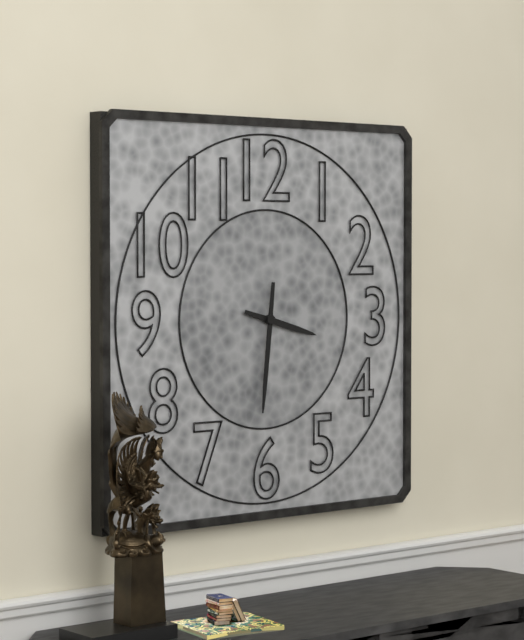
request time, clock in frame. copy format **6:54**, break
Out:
**3:31**
